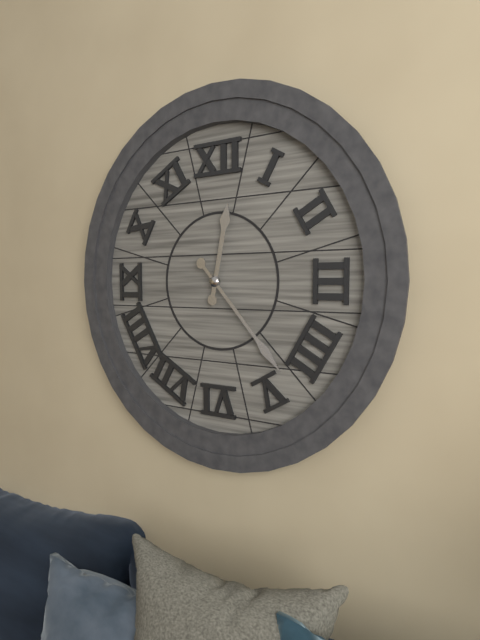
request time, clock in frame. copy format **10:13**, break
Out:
**12:23**
